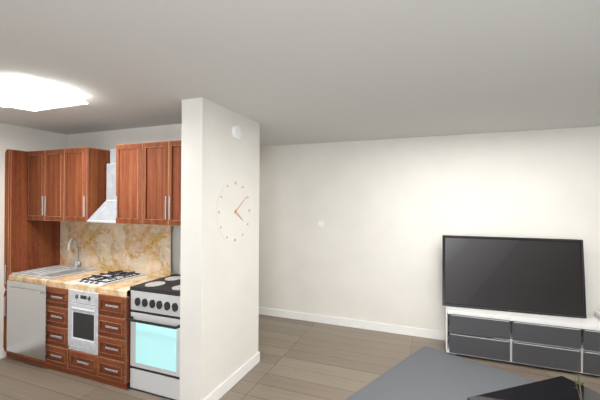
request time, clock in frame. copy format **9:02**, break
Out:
**4:09**
